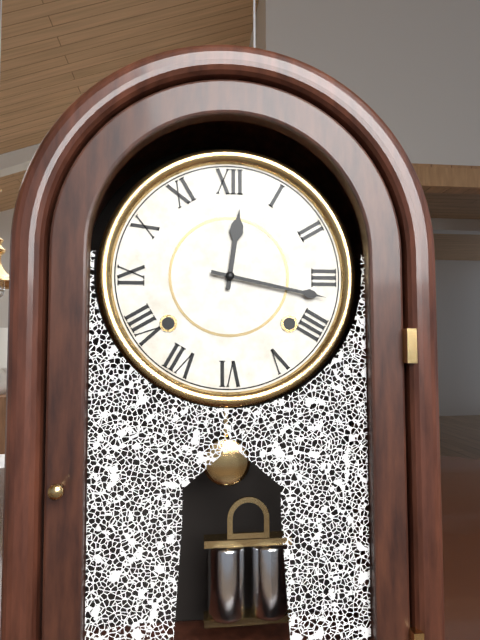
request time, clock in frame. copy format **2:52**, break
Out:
**12:17**
